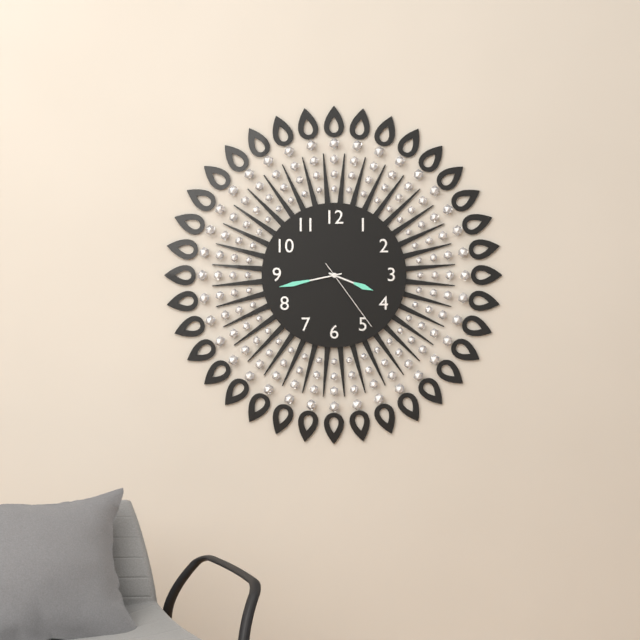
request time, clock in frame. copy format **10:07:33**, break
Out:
**3:43:24**
